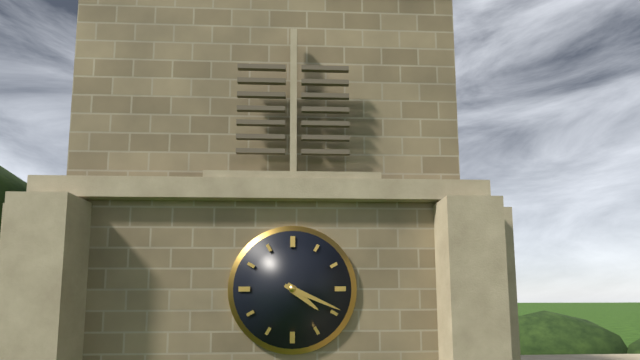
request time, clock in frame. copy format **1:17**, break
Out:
**4:19**
